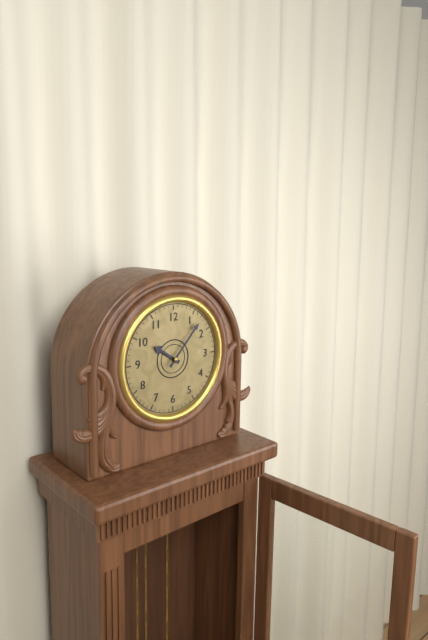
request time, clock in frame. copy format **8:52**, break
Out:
**10:07**
